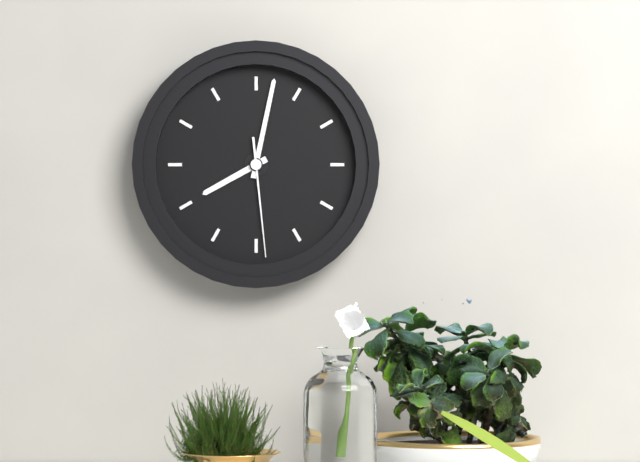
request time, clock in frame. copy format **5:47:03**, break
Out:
**8:02:29**
